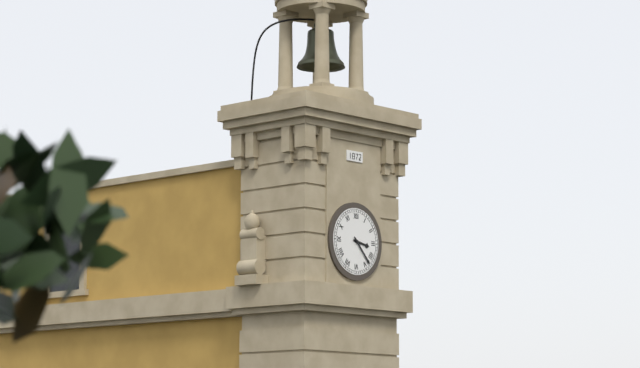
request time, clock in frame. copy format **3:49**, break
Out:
**3:23**
